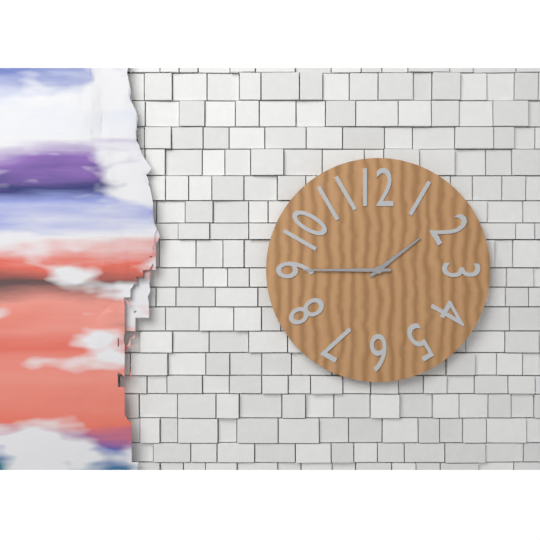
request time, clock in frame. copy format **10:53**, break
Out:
**1:45**
